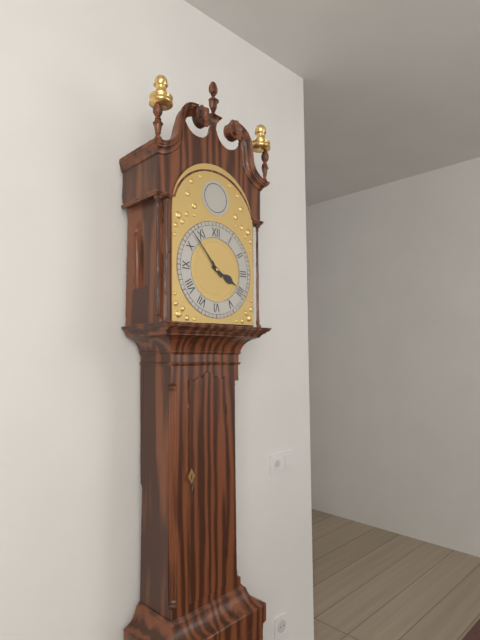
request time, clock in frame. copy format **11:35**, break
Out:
**3:53**
